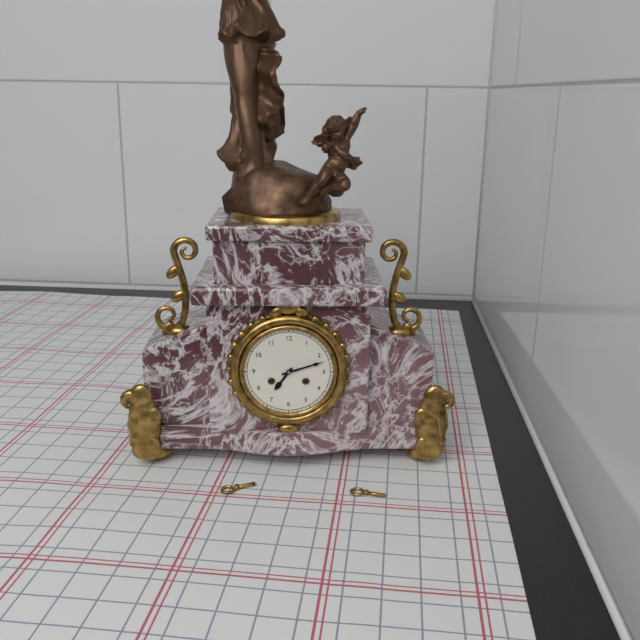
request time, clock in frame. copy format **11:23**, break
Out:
**7:12**
